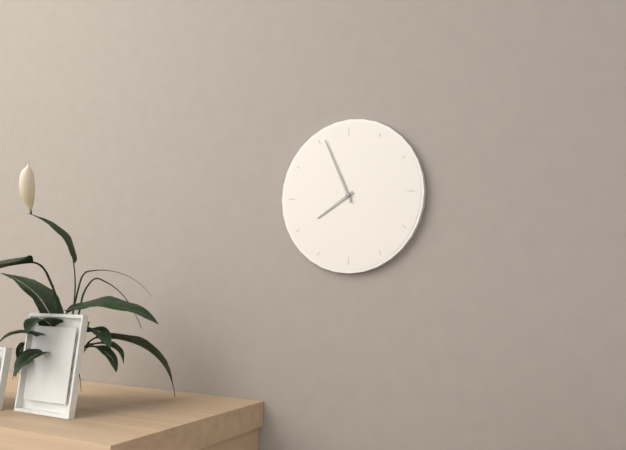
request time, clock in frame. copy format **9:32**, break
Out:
**7:56**
